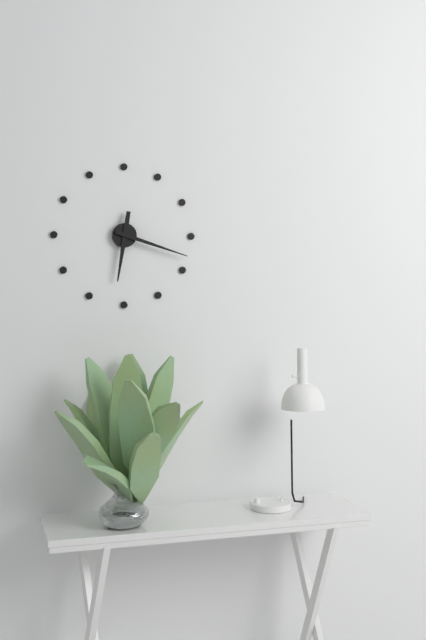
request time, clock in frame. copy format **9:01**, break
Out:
**6:18**
